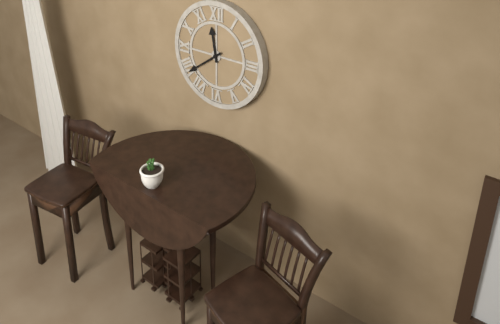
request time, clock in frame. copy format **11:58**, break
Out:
**11:39**
